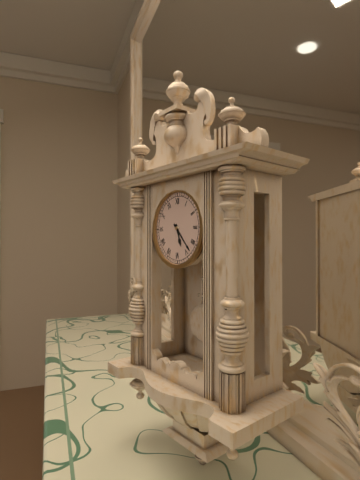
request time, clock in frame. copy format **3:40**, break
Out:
**5:23**
